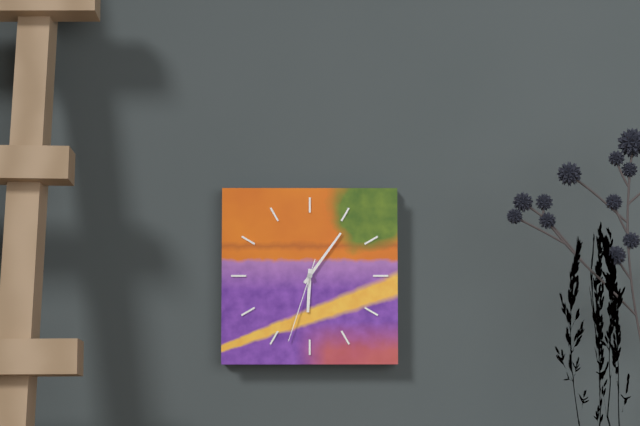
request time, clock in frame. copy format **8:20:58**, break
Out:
**6:06:33**
